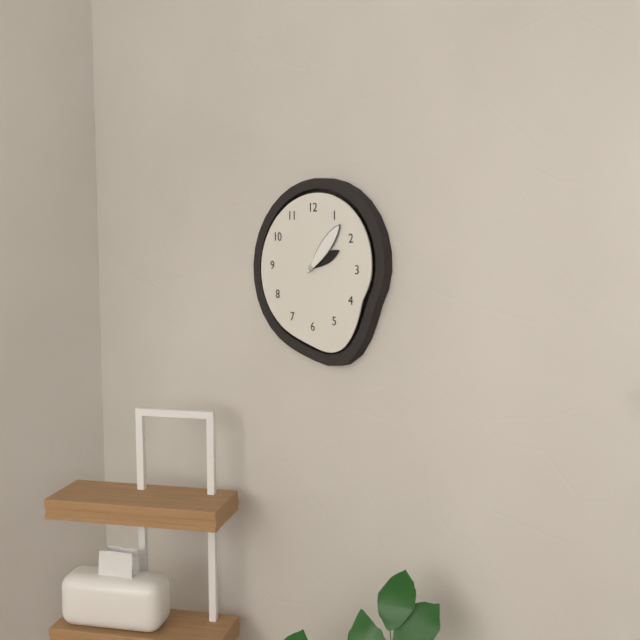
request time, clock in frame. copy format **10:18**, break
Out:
**2:07**
